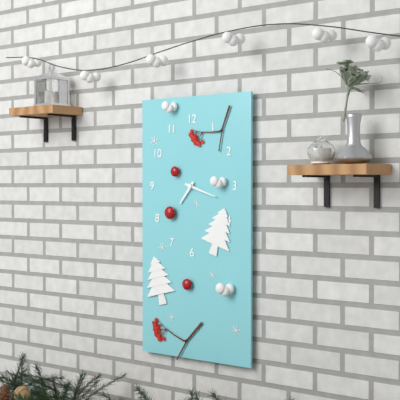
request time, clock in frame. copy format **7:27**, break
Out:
**7:18**
